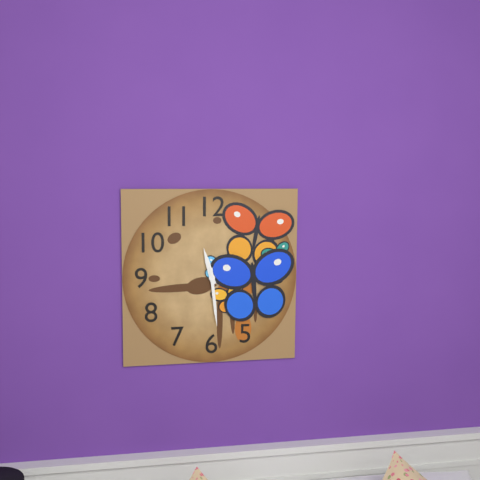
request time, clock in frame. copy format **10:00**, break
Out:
**11:29**
